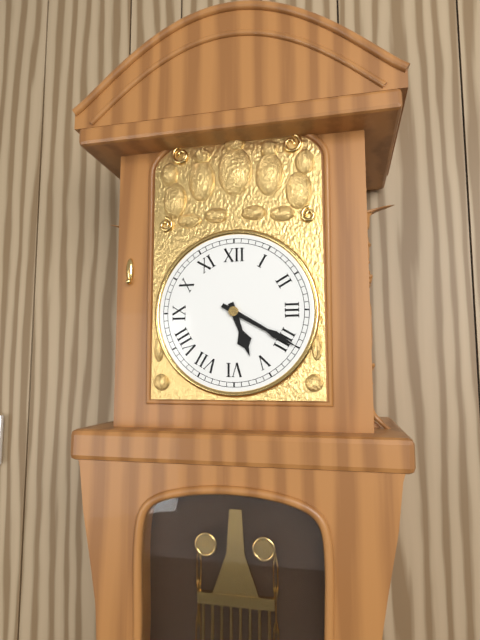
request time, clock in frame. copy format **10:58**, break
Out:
**5:20**
